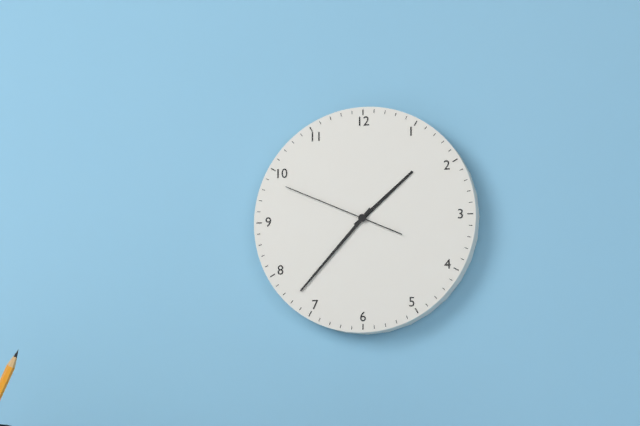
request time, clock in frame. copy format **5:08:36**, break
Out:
**1:37:49**
